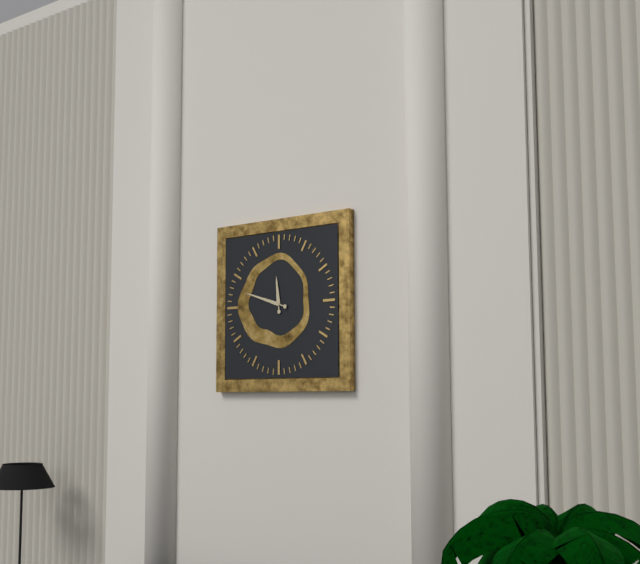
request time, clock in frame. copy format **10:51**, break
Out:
**11:48**
